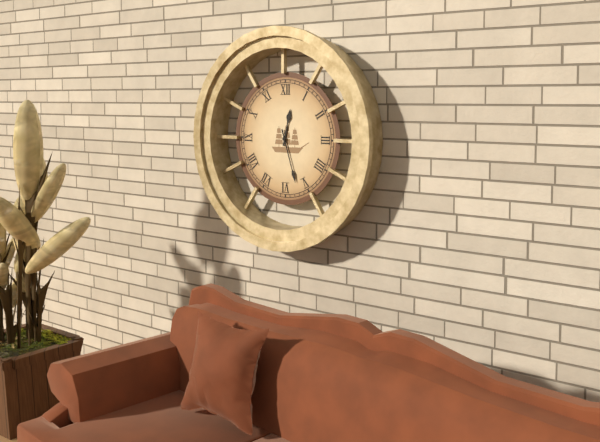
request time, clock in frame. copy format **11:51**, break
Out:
**12:27**
